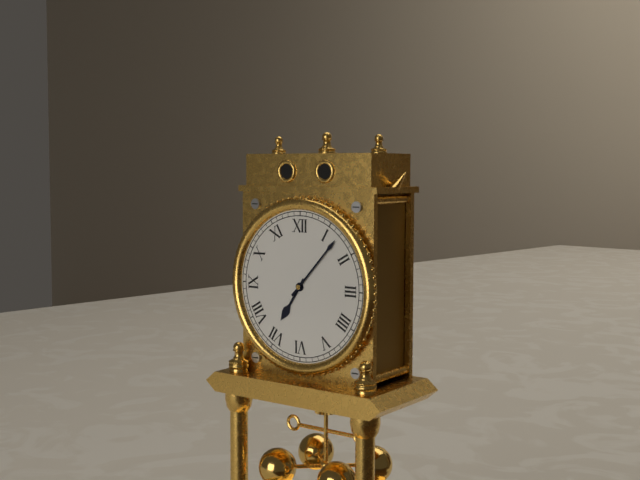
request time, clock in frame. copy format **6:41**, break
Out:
**7:07**
